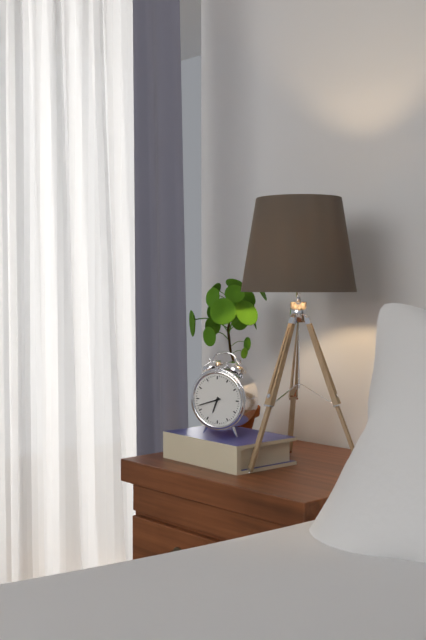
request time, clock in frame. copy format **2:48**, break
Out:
**6:42**
